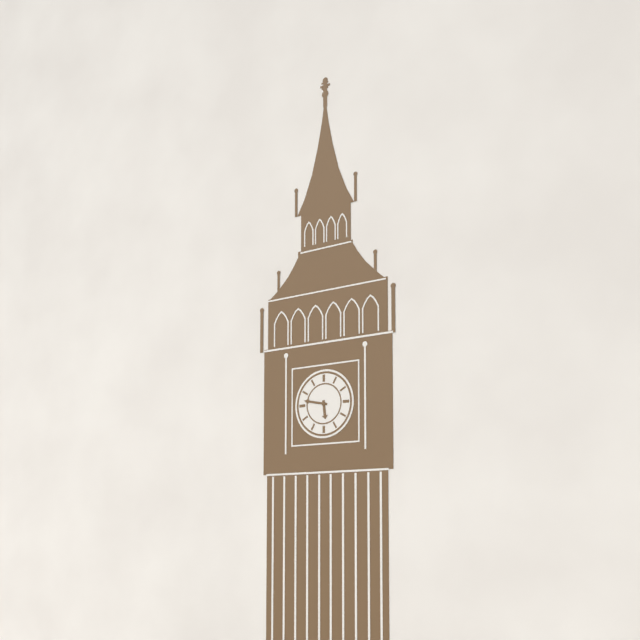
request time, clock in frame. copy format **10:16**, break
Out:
**5:47**
